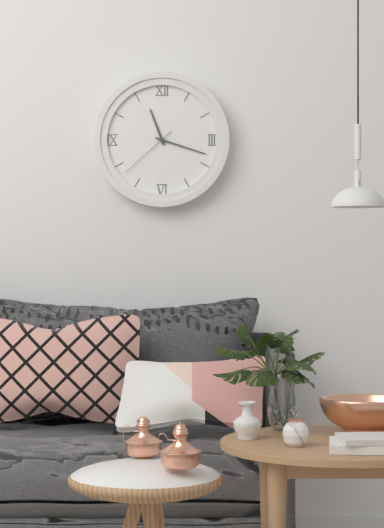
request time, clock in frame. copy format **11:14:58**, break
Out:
**11:18:38**
